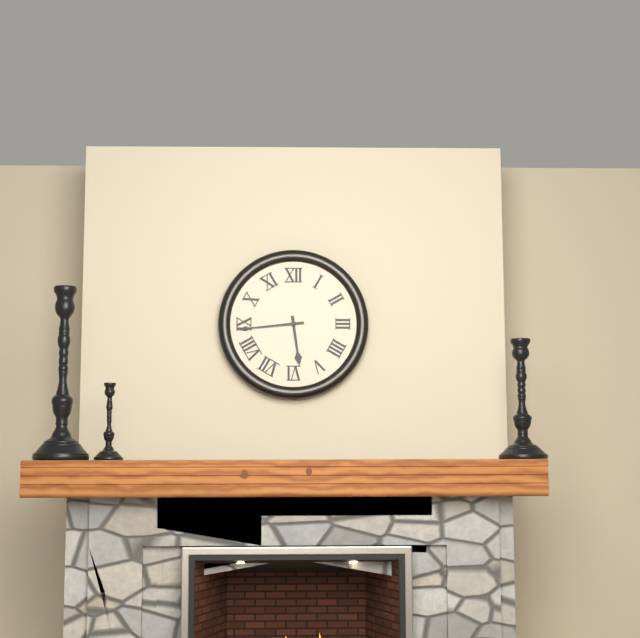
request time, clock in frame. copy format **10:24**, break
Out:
**5:44**
